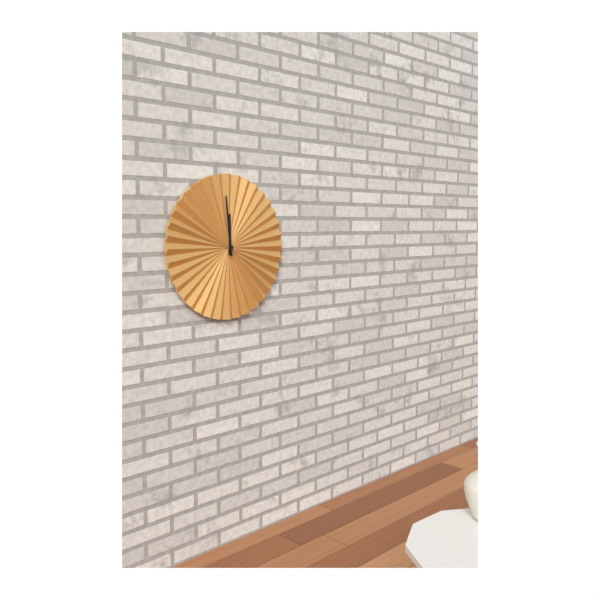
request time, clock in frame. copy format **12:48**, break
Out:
**11:59**
